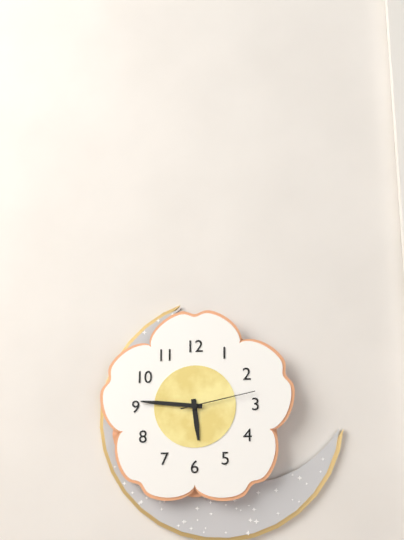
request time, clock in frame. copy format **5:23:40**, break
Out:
**5:46:13**
